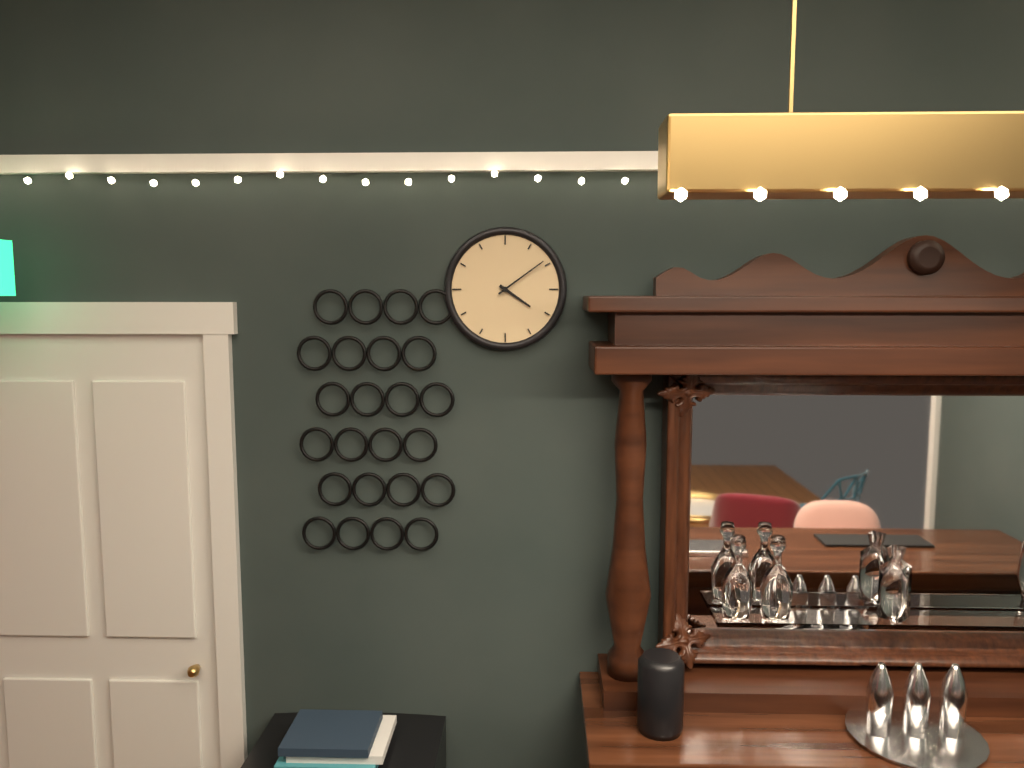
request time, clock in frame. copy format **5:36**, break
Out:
**4:09**
